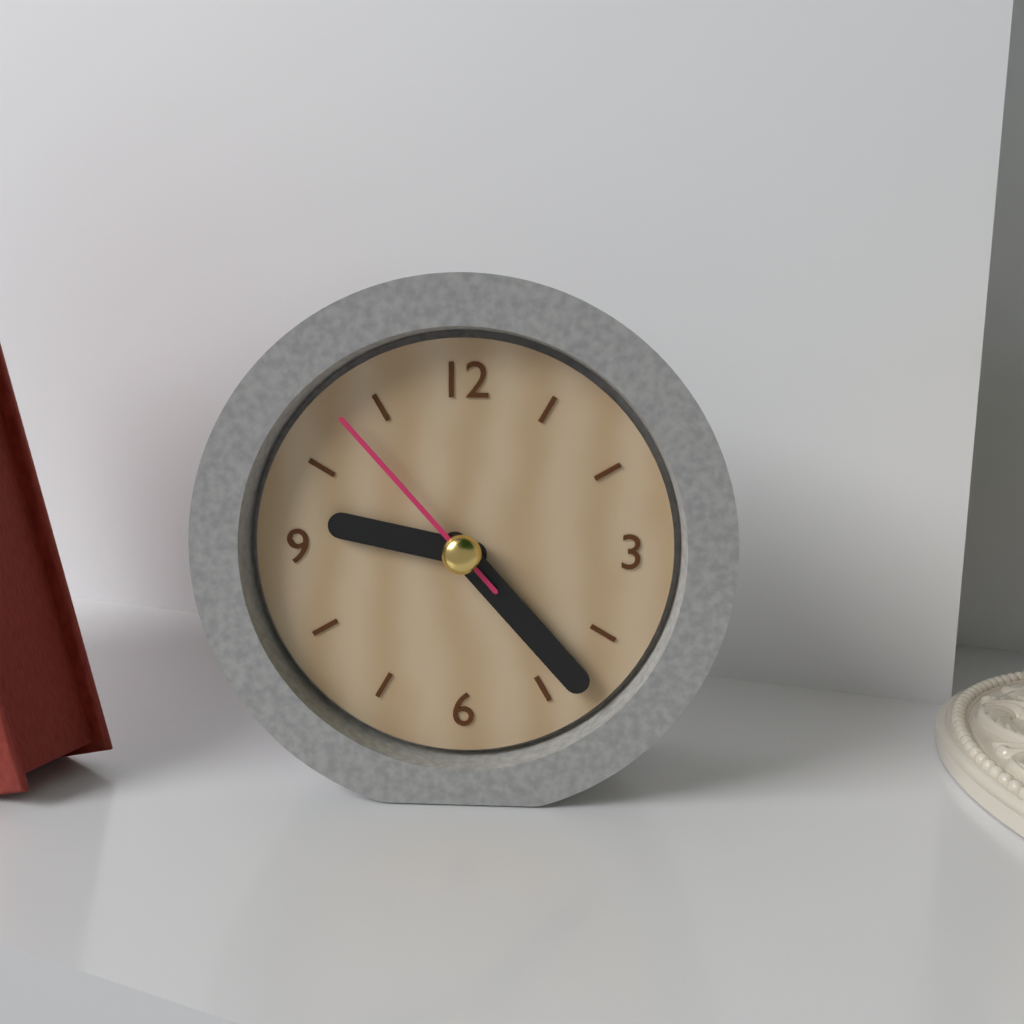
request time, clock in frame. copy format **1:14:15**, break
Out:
**9:23:53**
